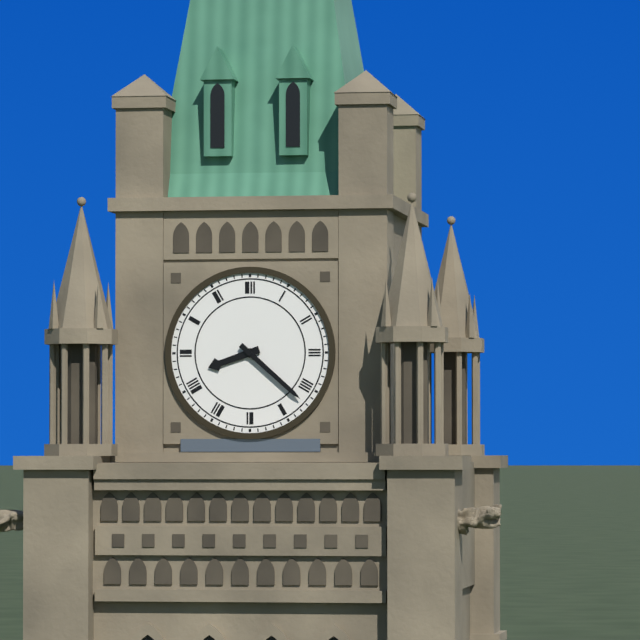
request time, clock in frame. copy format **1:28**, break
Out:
**8:22**
